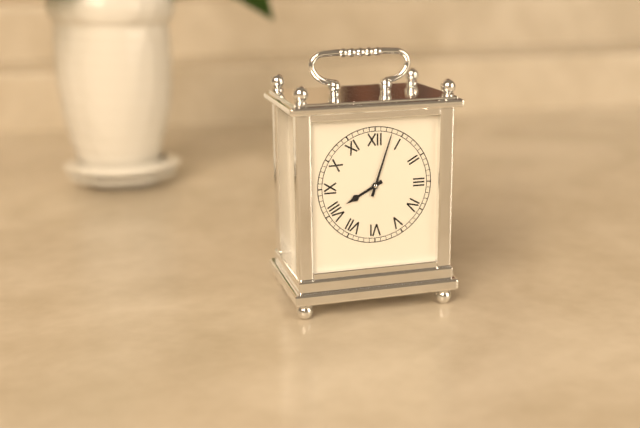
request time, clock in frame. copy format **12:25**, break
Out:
**8:03**
